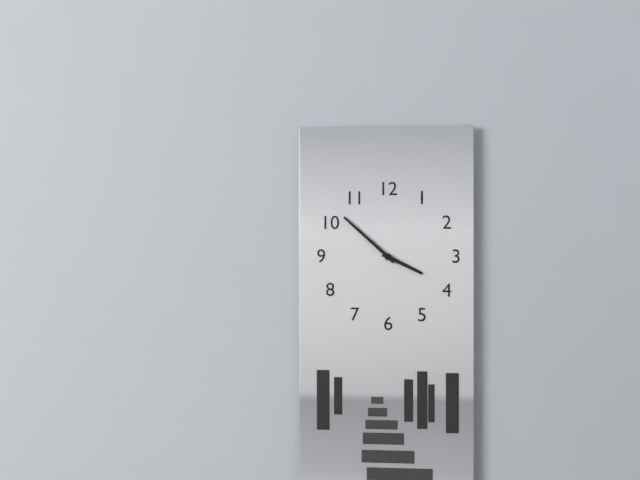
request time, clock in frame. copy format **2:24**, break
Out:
**3:52**
